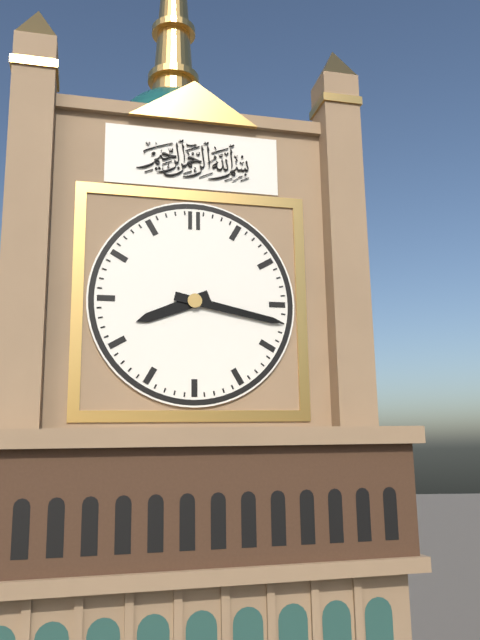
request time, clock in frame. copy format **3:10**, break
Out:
**8:17**
